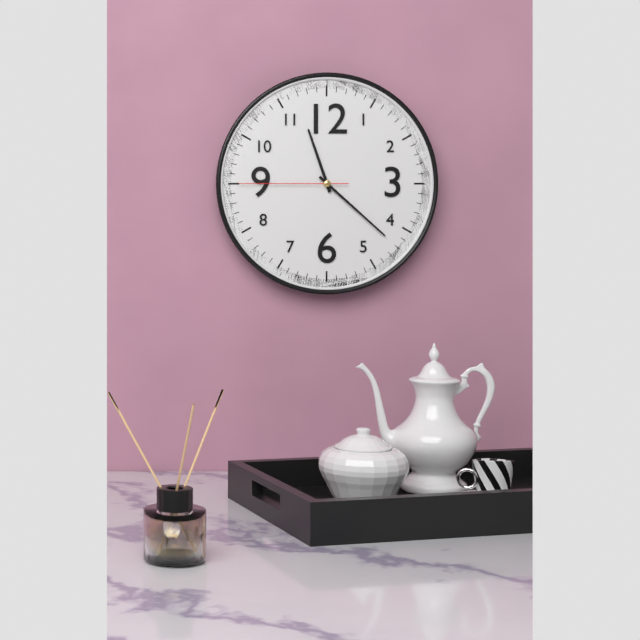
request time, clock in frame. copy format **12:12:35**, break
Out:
**11:22:45**
